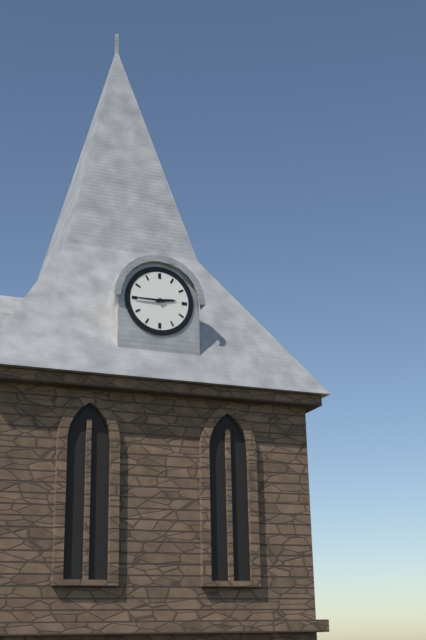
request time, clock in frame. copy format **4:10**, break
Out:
**2:45**
